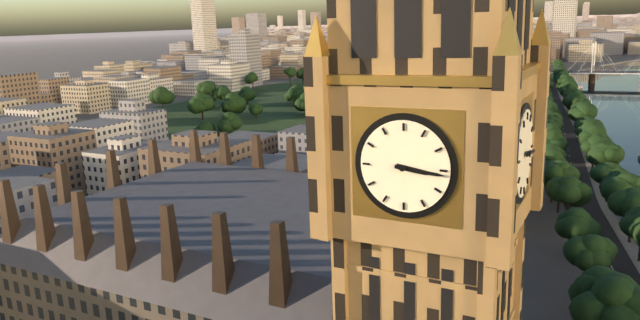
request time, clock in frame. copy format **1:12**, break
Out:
**3:16**
